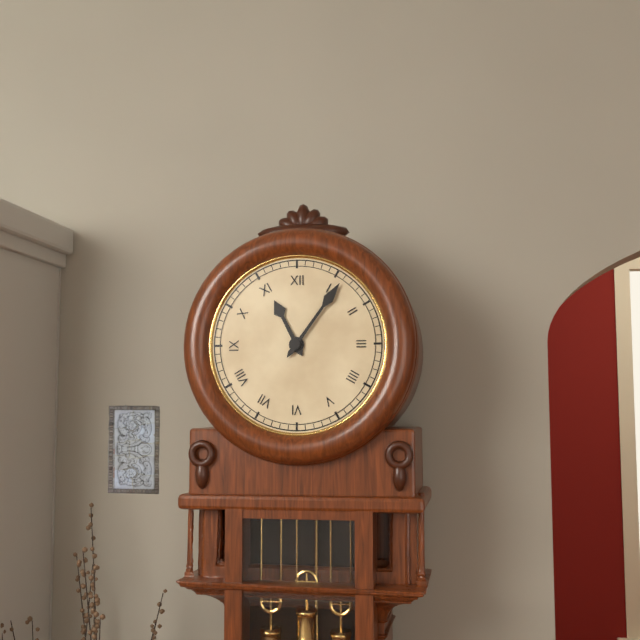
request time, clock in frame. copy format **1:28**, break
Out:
**11:06**
